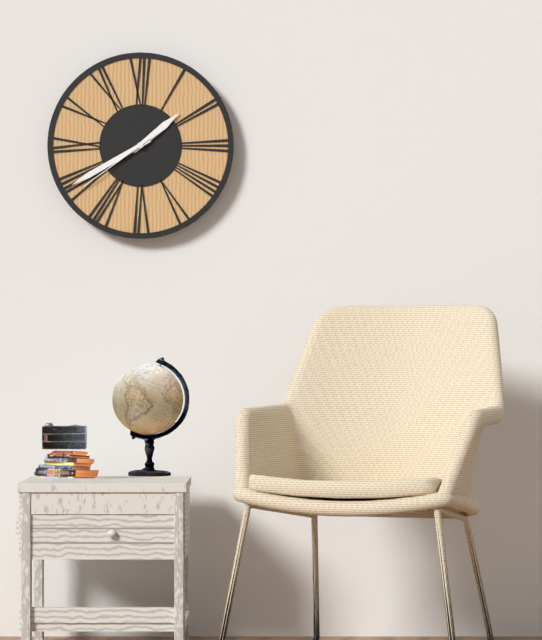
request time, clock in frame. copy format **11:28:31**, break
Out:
**1:40:39**
